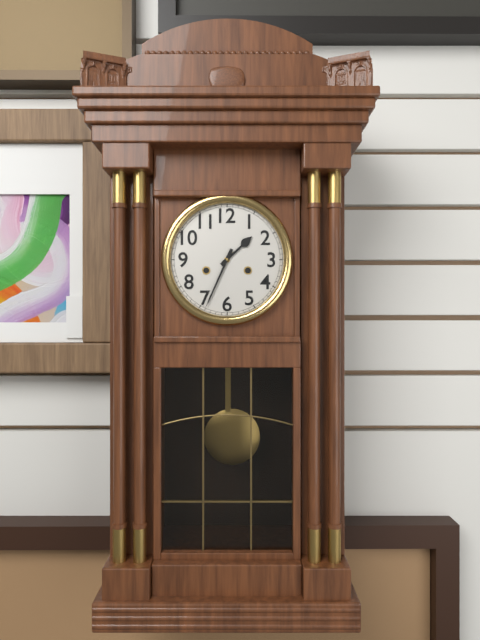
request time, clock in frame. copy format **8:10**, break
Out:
**1:34**
